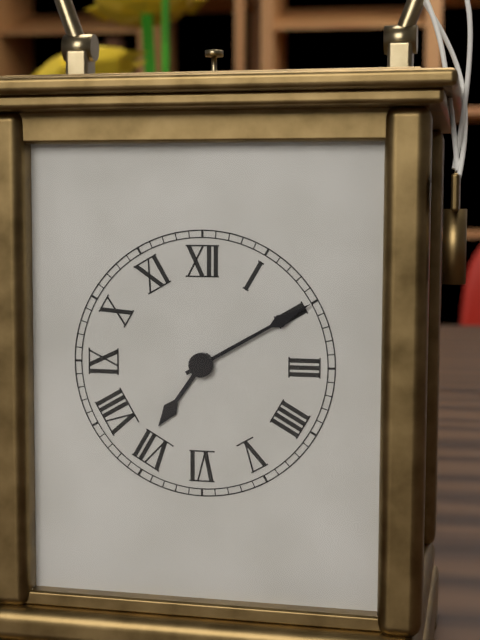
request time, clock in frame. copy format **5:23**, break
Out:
**7:10**
